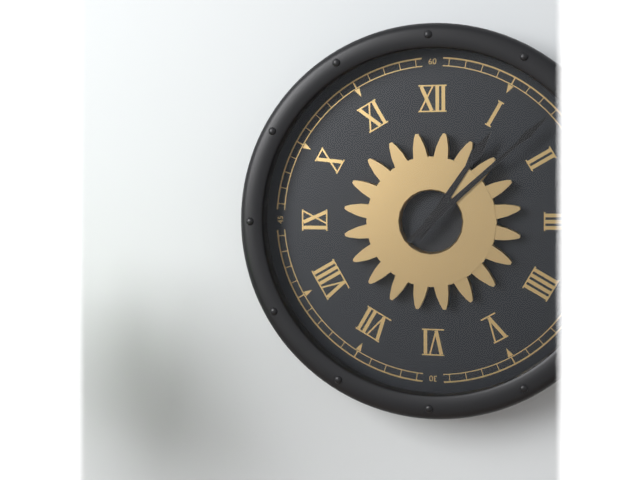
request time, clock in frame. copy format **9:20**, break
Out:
**1:08**
